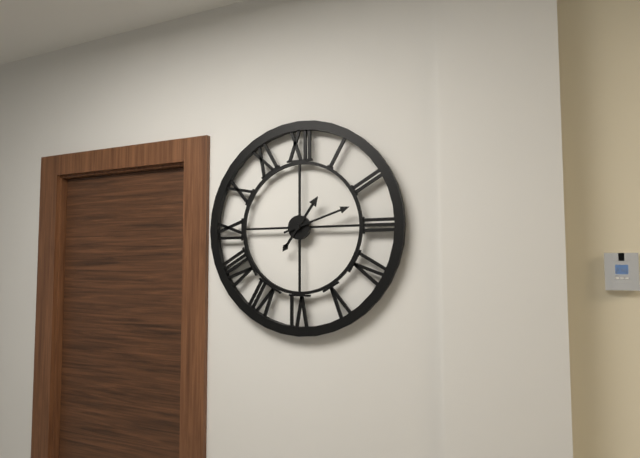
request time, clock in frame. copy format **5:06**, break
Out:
**1:12**
